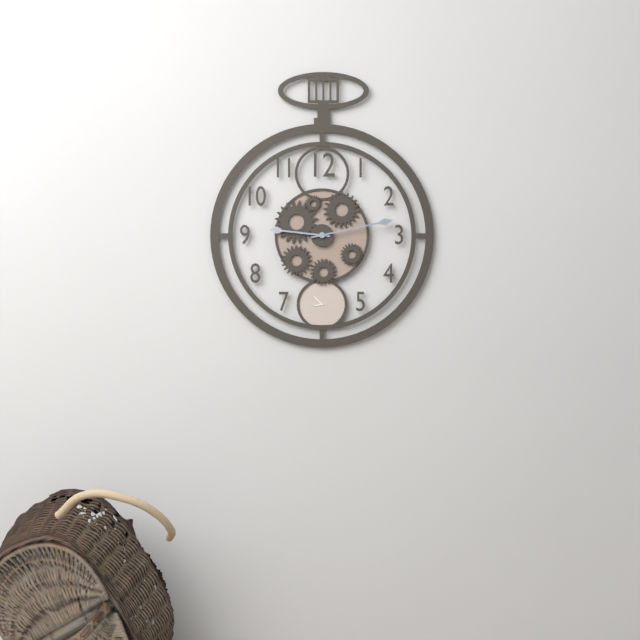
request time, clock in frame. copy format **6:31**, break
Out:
**9:13**
